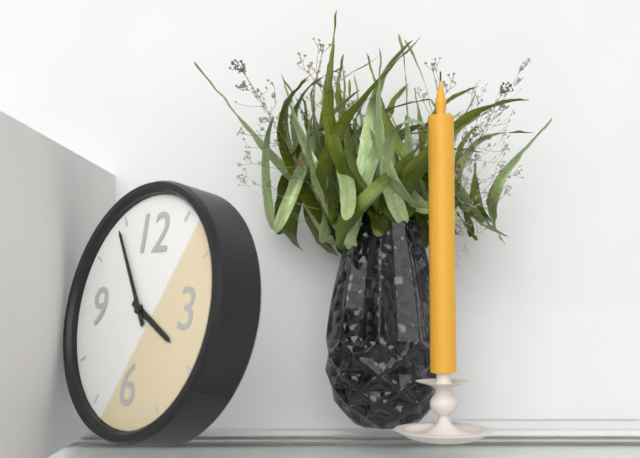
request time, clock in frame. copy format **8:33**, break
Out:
**3:54**
